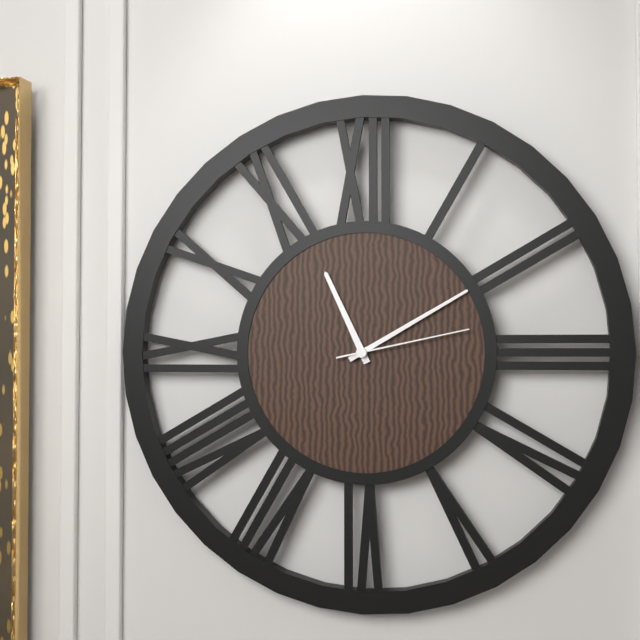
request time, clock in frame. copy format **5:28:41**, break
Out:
**11:10:13**
